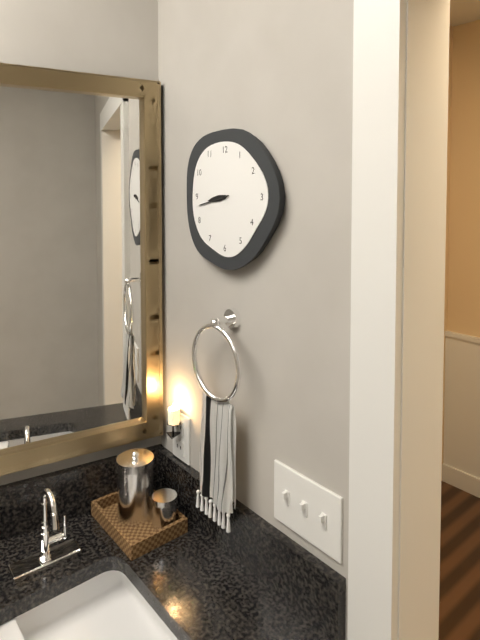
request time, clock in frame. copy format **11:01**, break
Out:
**8:43**
